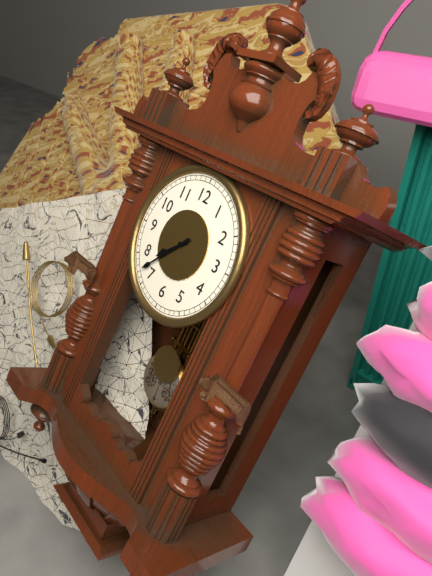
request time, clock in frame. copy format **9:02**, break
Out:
**7:37**
